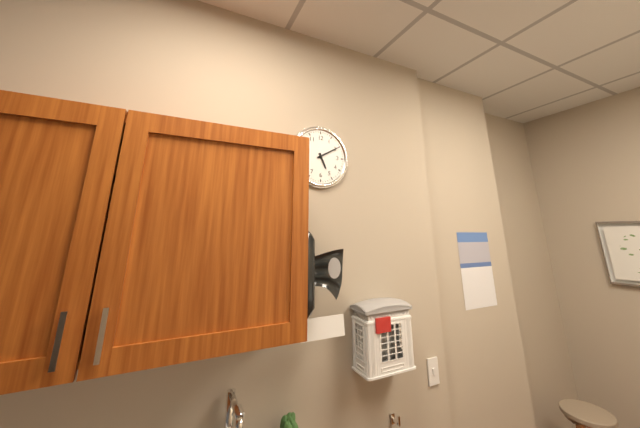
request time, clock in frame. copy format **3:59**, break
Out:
**5:10**
